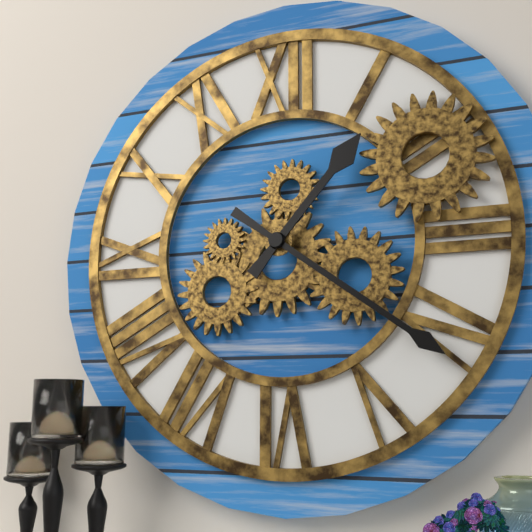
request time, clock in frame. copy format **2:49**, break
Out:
**1:21**
